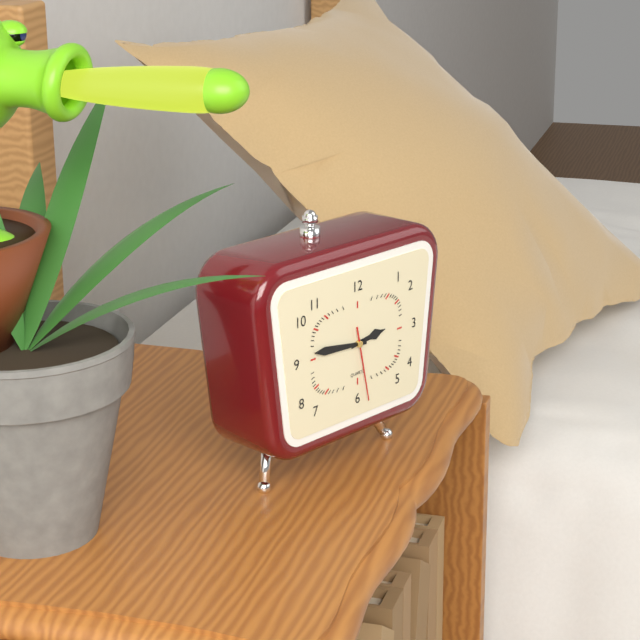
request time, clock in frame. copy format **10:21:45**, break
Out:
**2:46:28**
